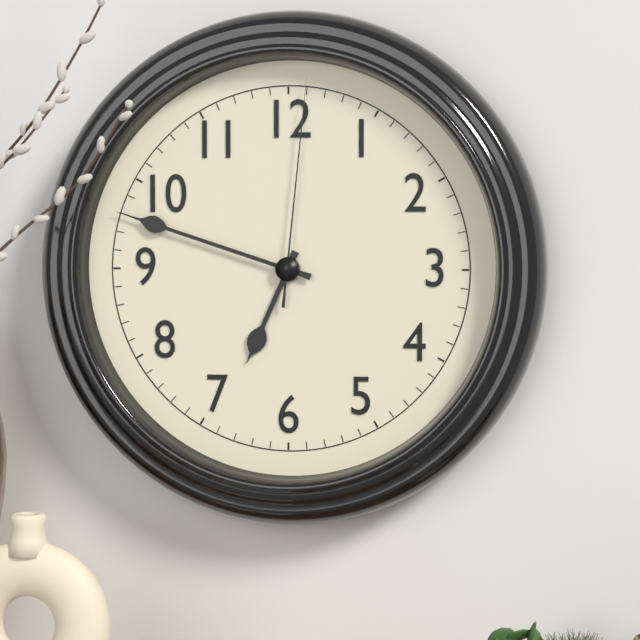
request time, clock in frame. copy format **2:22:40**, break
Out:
**6:48:01**
